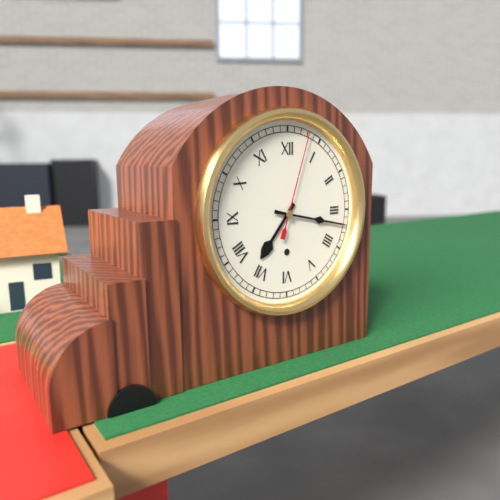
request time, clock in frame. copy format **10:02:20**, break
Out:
**7:17:03**
